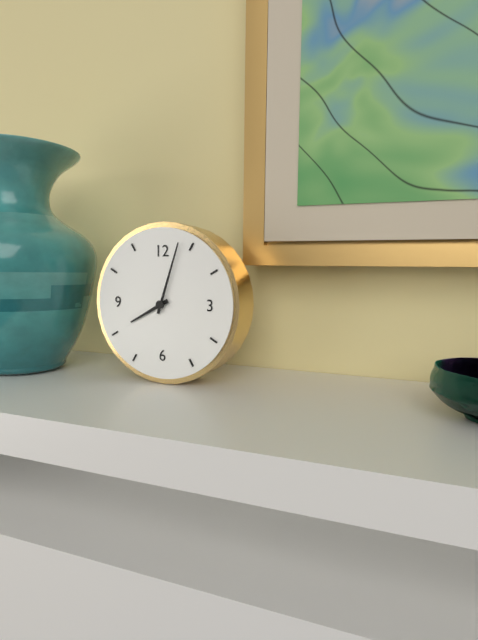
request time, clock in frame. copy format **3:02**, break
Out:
**8:03**
